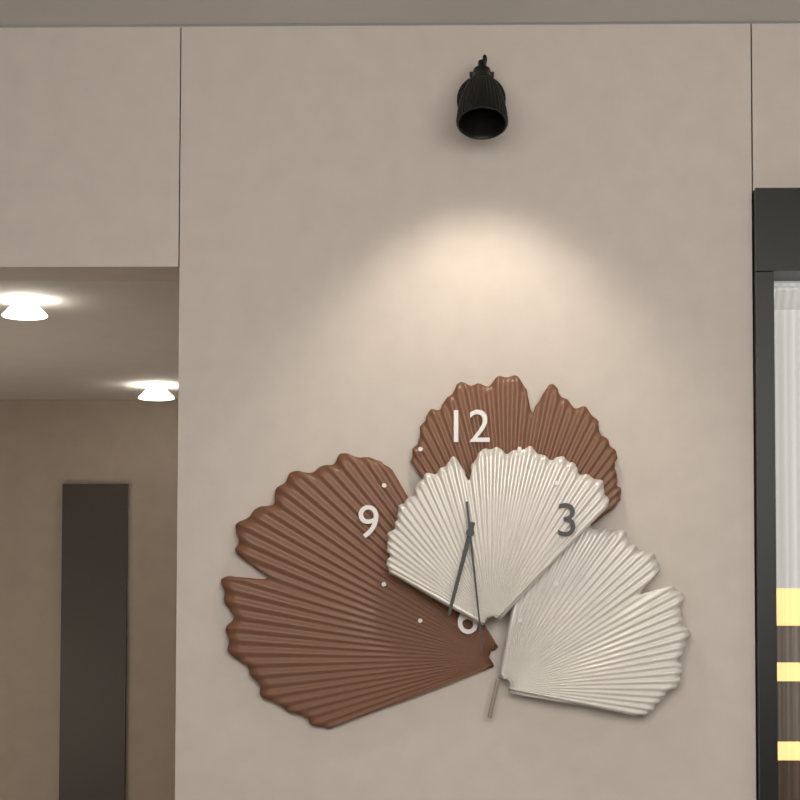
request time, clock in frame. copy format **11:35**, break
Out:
**6:29**
